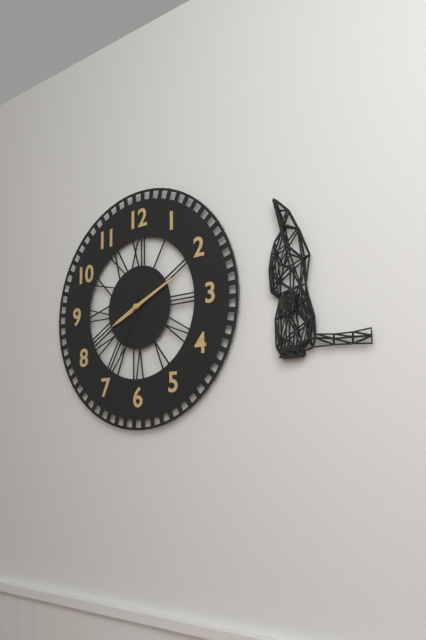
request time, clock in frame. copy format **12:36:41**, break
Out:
**8:11:34**
